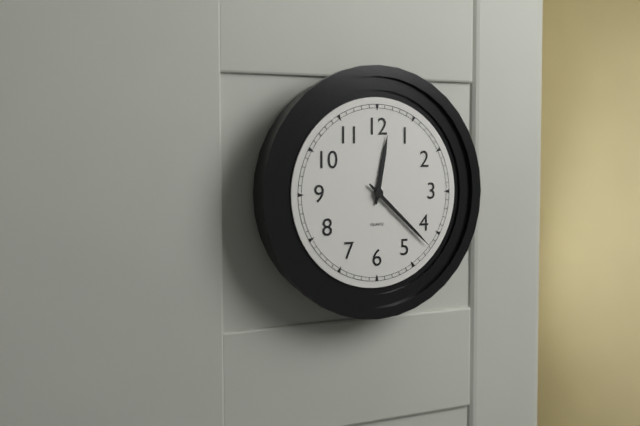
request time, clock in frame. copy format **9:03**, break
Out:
**12:22**
